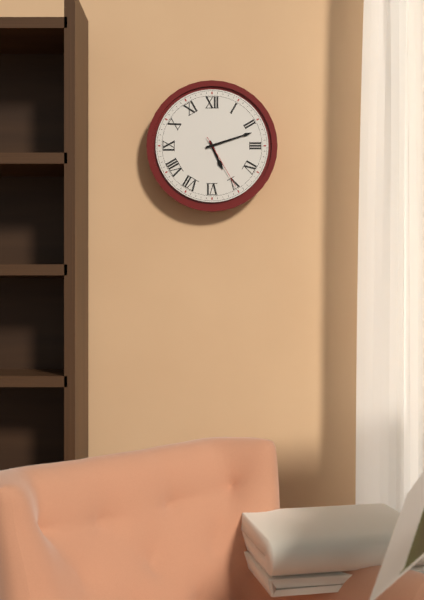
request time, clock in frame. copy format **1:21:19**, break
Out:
**5:12:25**
